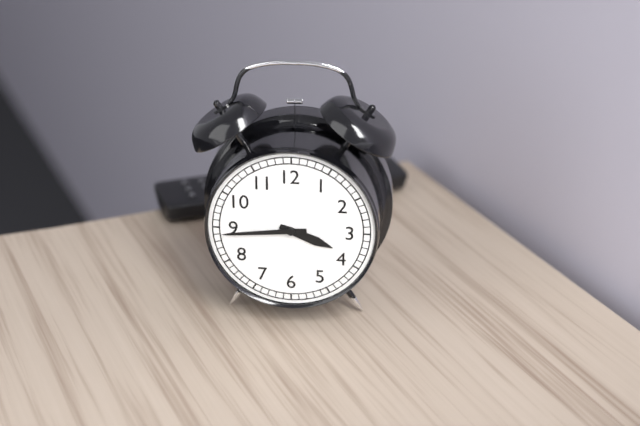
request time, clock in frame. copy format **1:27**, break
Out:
**3:44**
